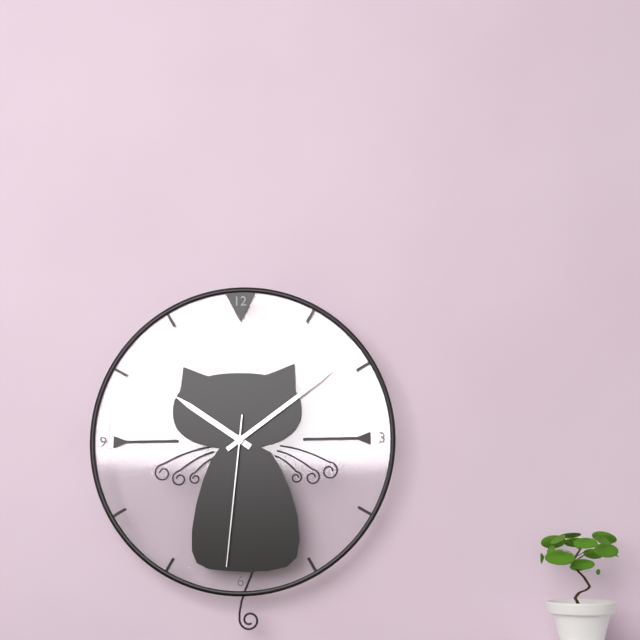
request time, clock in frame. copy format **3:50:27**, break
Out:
**10:09:31**
